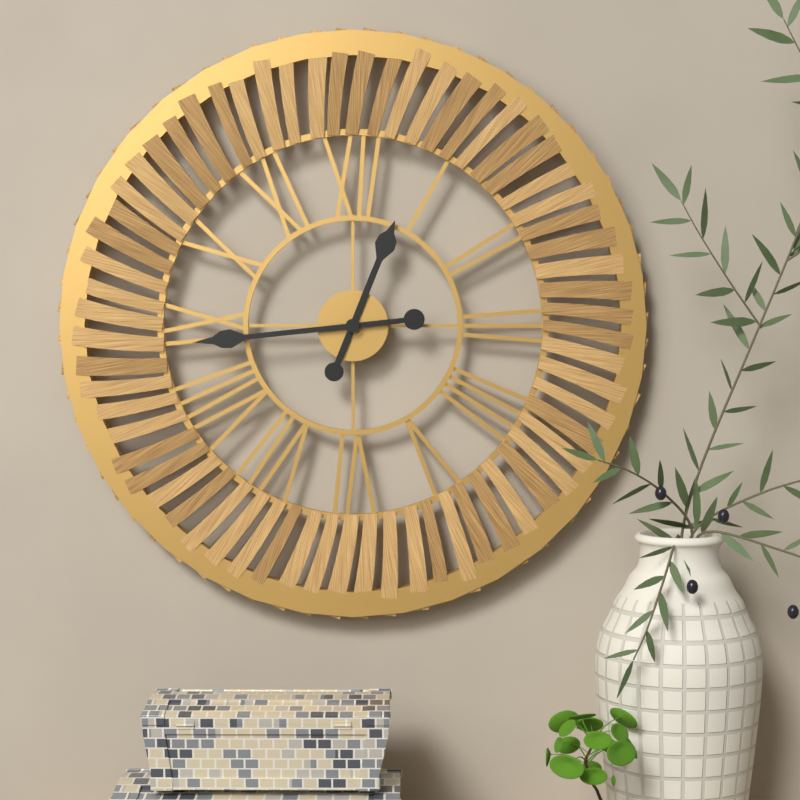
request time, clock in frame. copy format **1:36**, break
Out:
**12:44**
